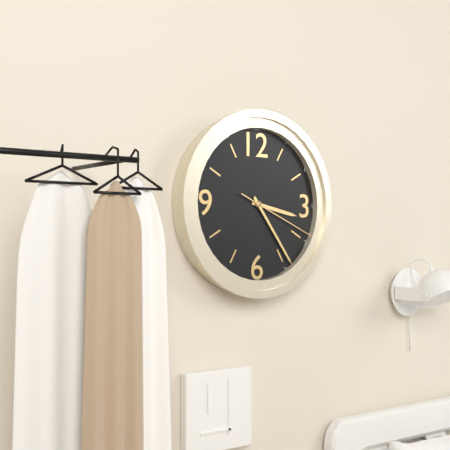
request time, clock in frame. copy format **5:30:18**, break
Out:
**3:24:19**
